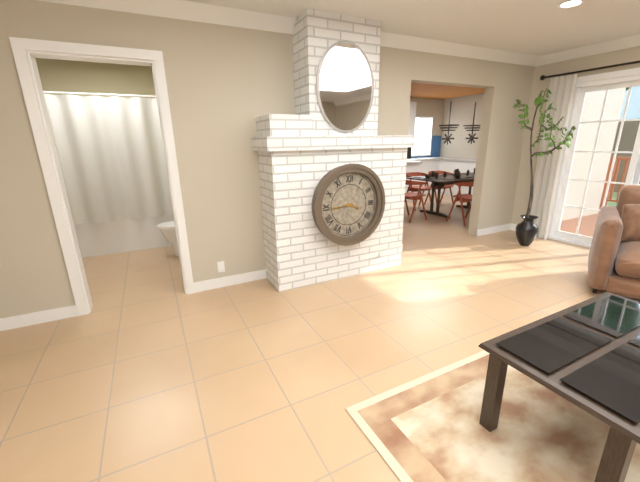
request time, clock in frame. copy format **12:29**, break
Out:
**3:44**
